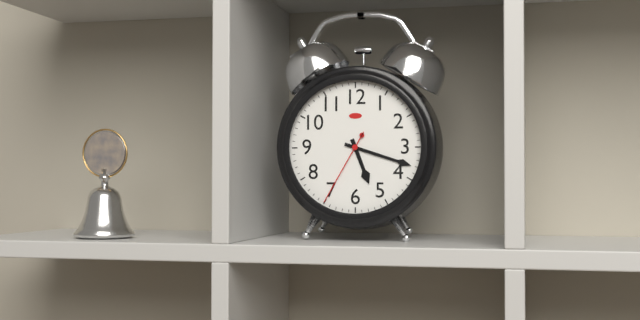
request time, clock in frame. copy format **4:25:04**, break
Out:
**5:18:35**
